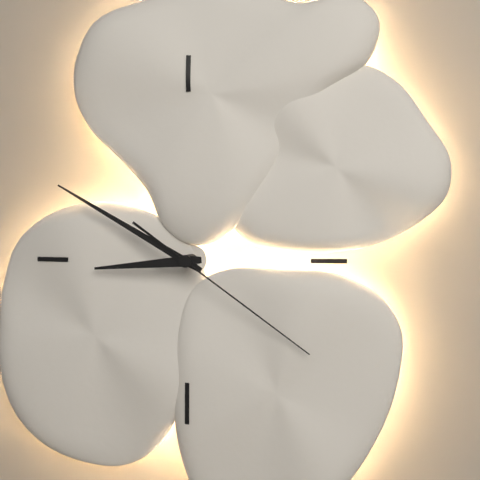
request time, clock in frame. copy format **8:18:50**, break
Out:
**8:50:21**
